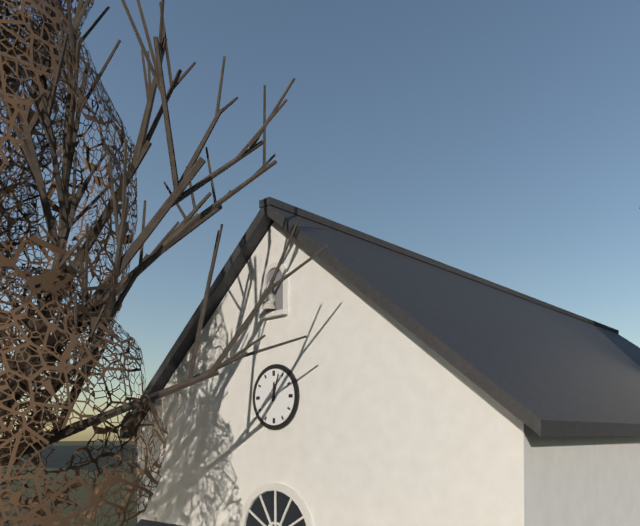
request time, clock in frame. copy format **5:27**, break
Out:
**12:03**
